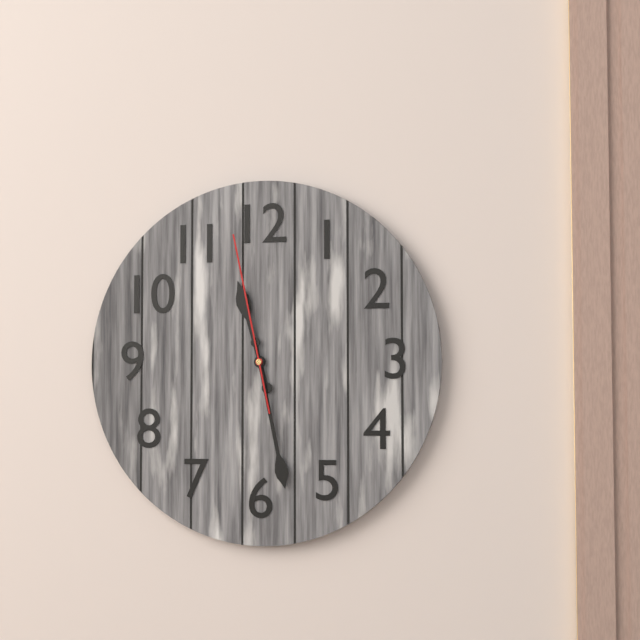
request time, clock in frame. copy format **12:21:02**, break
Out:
**11:28:58**
